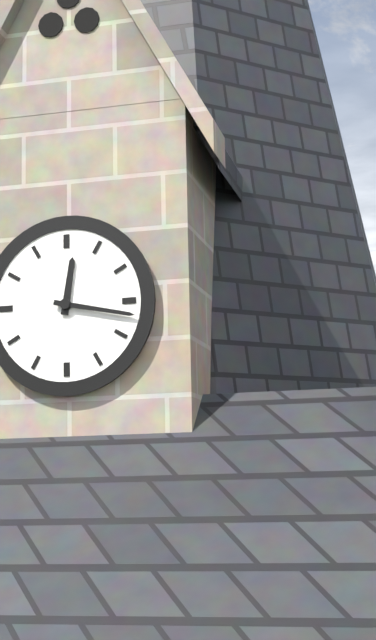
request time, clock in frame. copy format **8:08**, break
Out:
**12:17**
